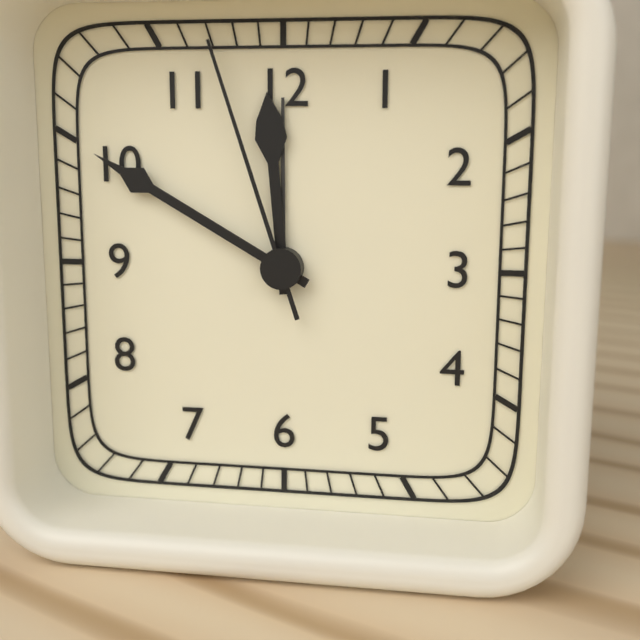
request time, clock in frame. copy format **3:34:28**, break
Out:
**11:50:57**
